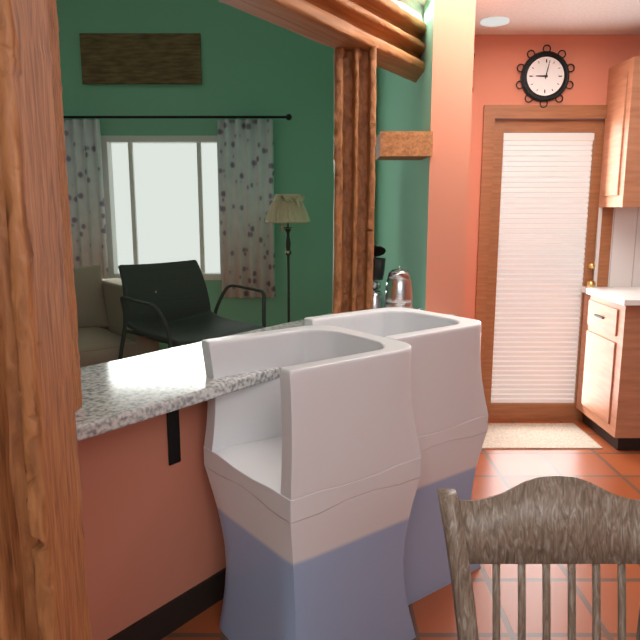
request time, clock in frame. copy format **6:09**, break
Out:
**9:02**
